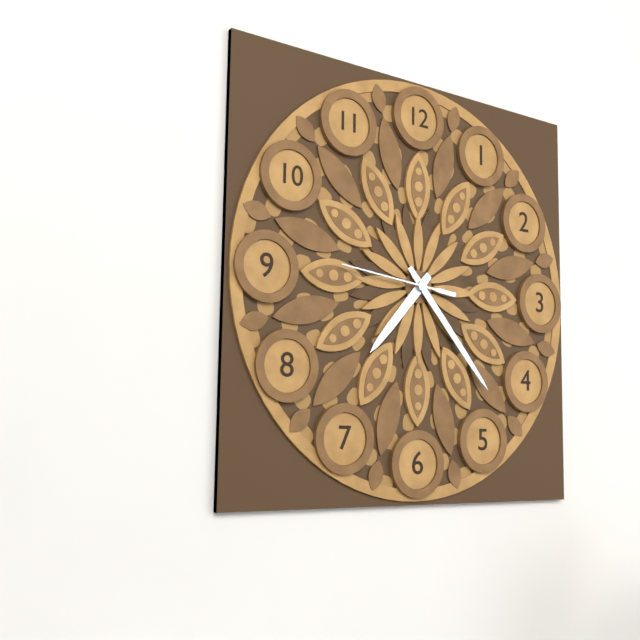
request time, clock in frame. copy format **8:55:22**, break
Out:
**7:23:46**
